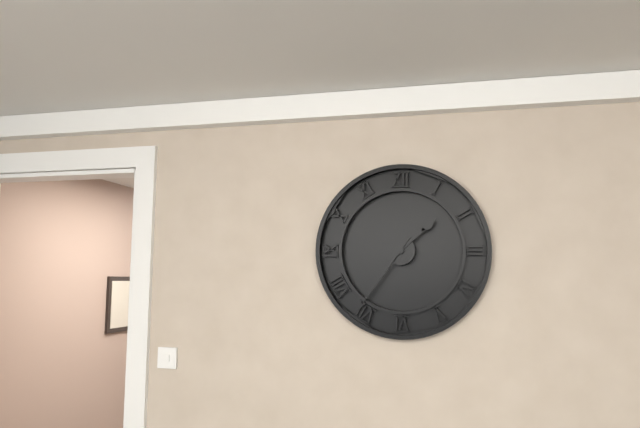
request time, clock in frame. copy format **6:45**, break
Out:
**1:36**
